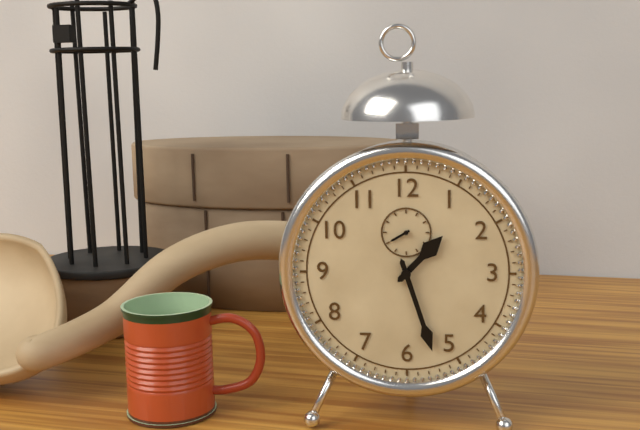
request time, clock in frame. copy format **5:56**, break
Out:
**1:27**
